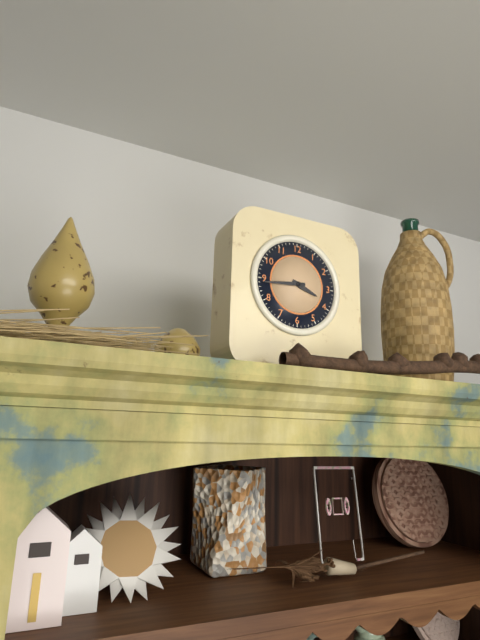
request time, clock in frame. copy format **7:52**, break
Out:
**3:44**
